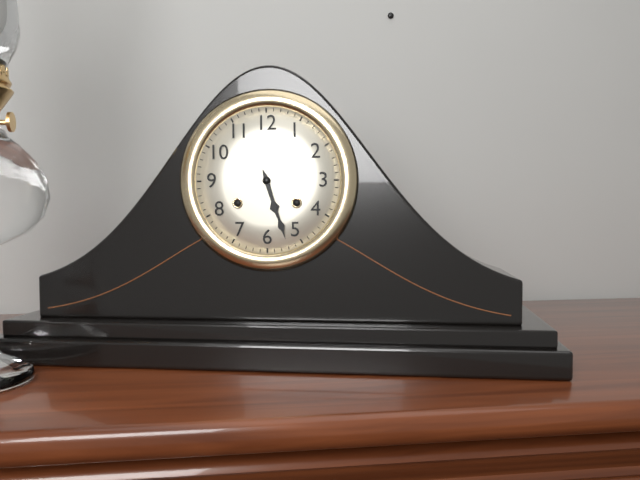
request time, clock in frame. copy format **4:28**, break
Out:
**5:27**
